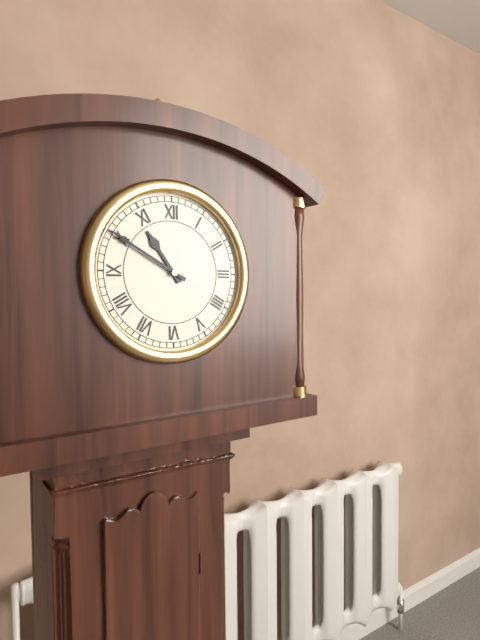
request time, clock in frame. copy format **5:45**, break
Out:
**10:50**
